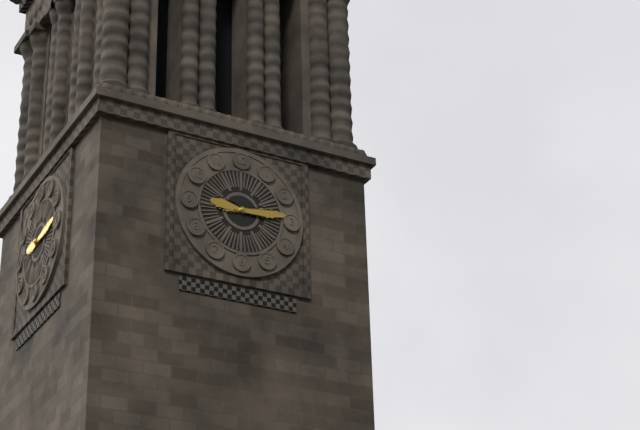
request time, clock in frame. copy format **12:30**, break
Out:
**9:14**
